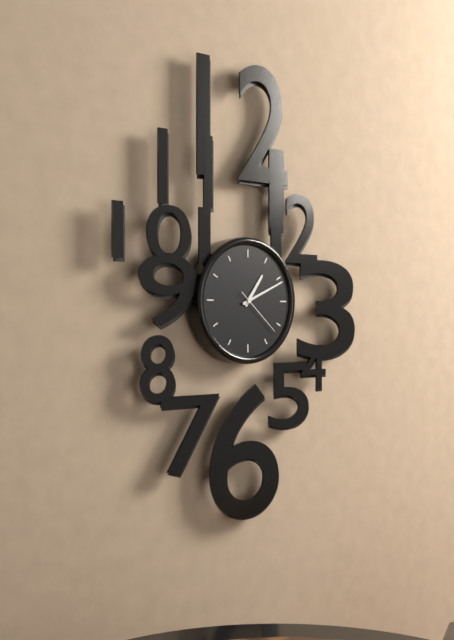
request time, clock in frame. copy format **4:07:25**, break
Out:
**1:11:22**
